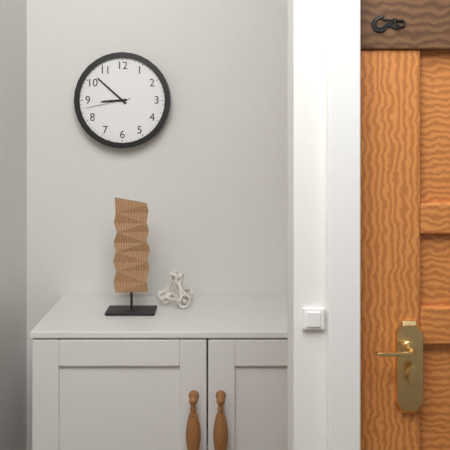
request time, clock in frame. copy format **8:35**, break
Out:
**8:52**
